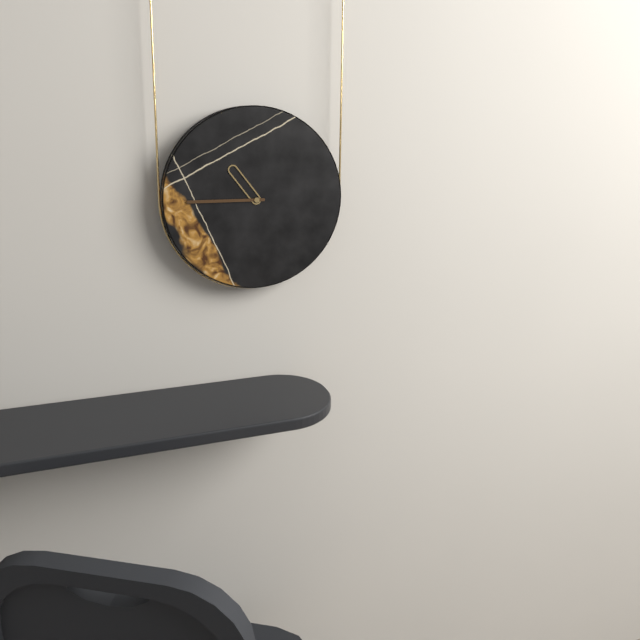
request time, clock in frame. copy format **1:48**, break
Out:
**10:45**
